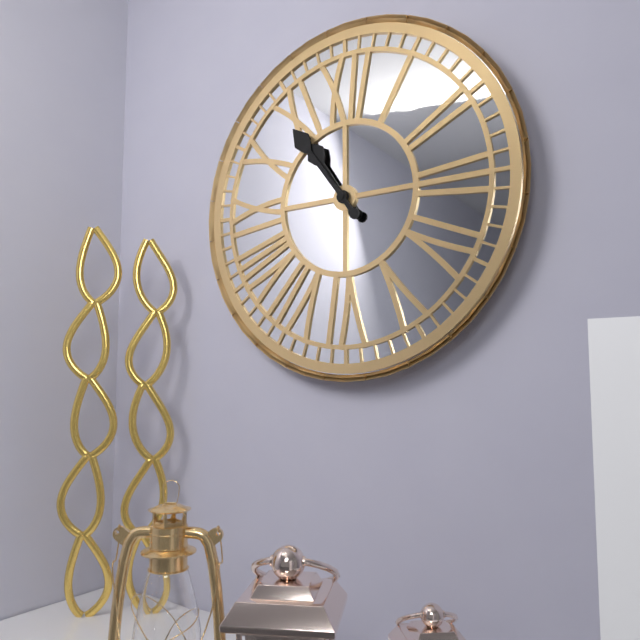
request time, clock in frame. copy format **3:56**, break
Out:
**10:54**
